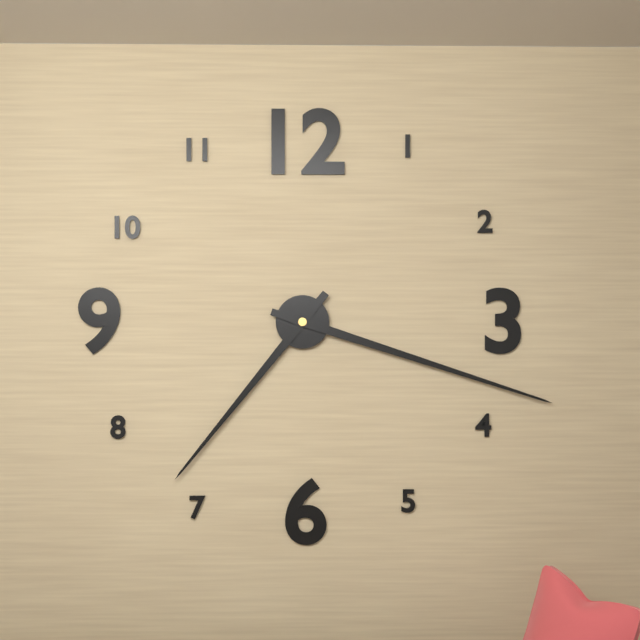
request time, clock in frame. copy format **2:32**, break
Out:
**7:18**
